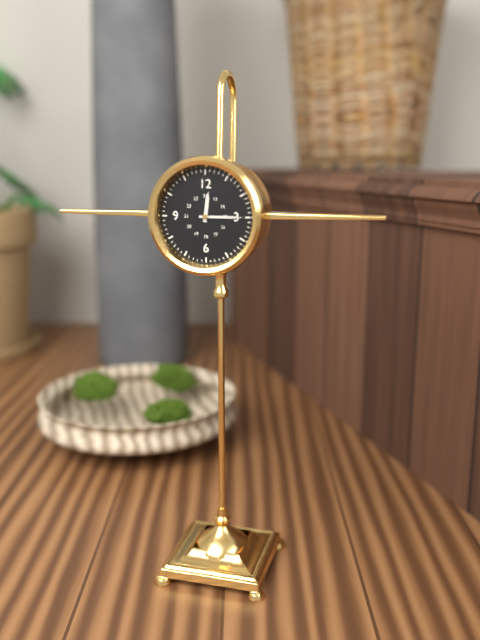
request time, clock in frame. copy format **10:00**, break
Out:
**12:15**
